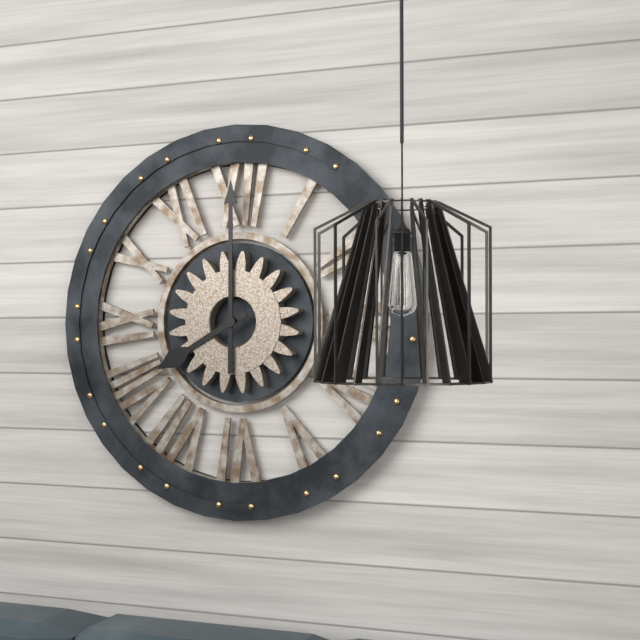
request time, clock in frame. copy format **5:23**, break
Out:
**8:00**
